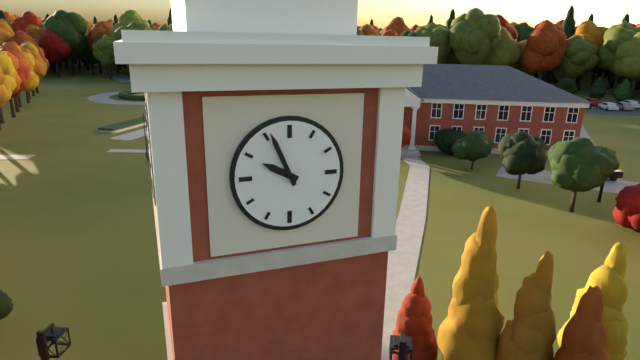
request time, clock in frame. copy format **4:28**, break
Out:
**9:56**
